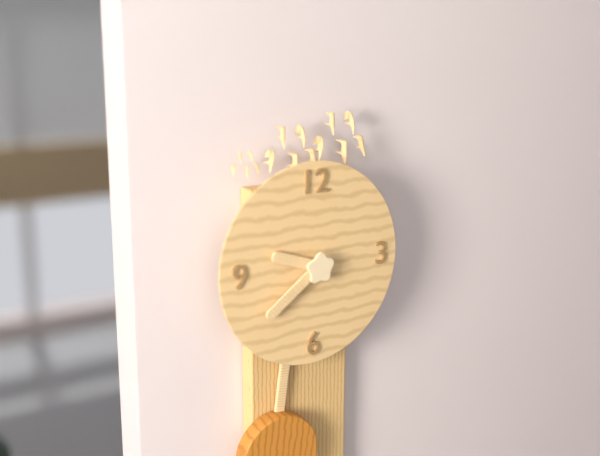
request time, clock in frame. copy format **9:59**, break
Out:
**9:39**
